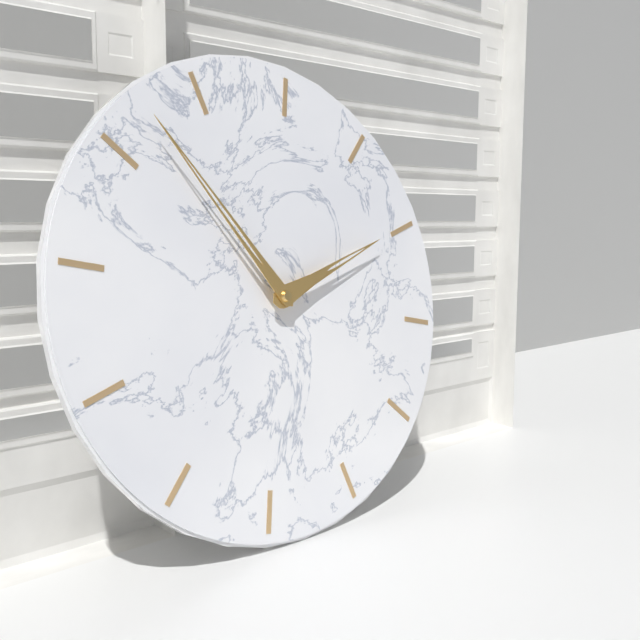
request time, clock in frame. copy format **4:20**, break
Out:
**2:57**
